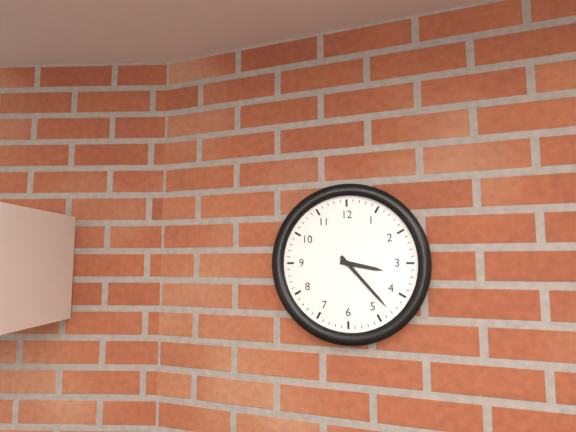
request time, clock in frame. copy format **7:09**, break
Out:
**3:23**
